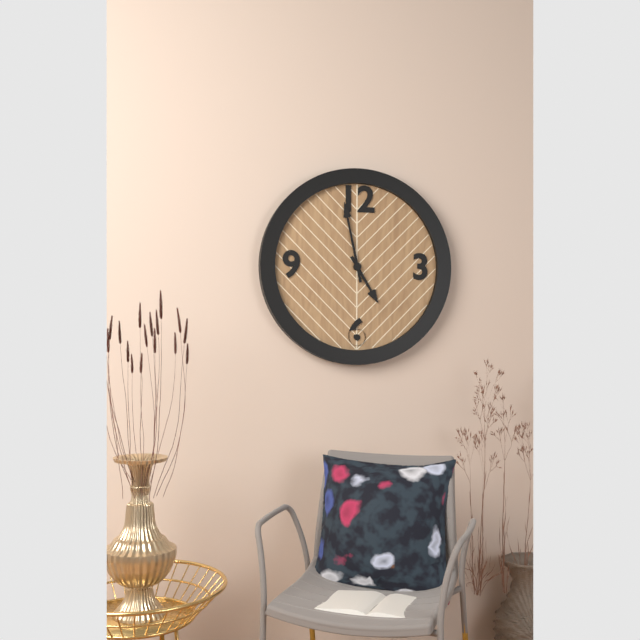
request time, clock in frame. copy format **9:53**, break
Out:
**4:58**
